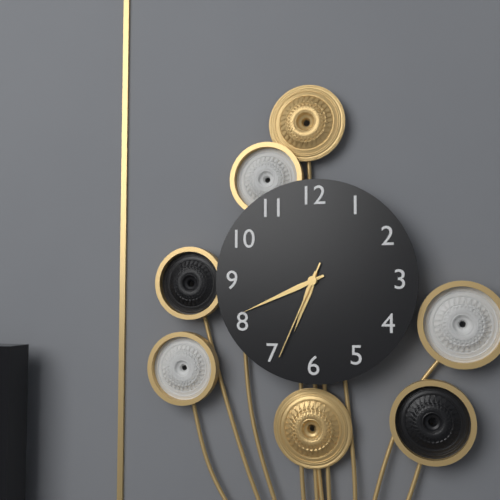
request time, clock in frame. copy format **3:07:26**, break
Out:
**6:41:34**
